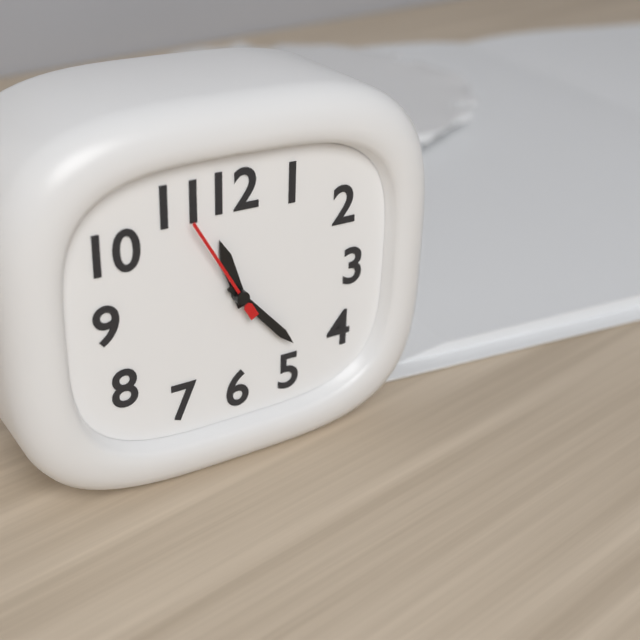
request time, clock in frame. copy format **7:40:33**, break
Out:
**11:23:55**
